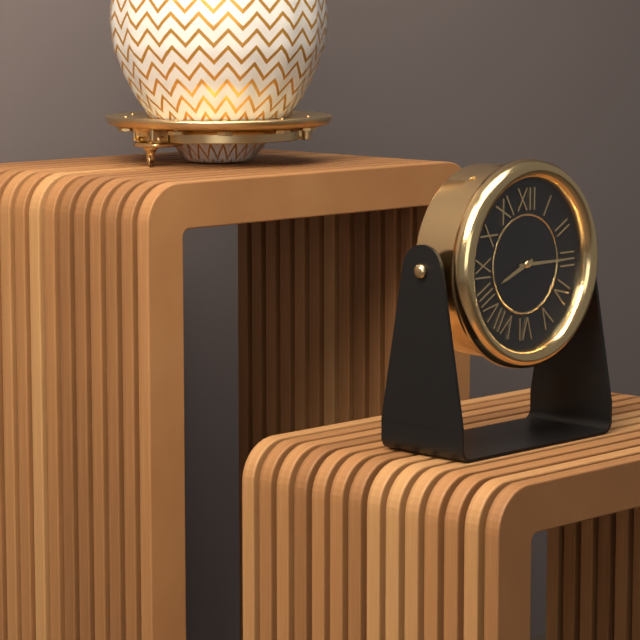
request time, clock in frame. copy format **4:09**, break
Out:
**8:15**
